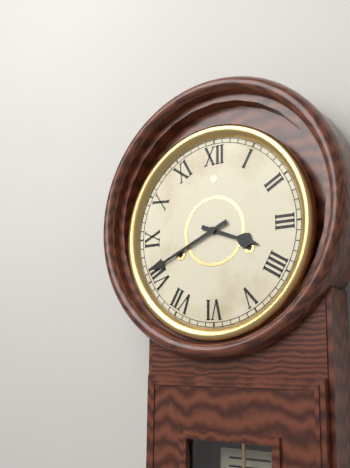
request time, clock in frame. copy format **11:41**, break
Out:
**3:41**
